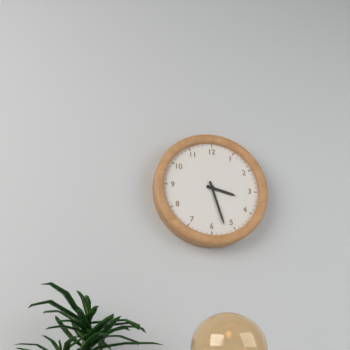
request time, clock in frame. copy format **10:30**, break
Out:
**3:27**
